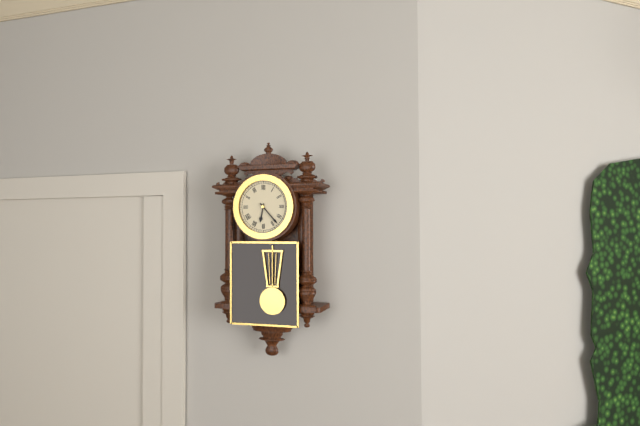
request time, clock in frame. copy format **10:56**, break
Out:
**6:23**
